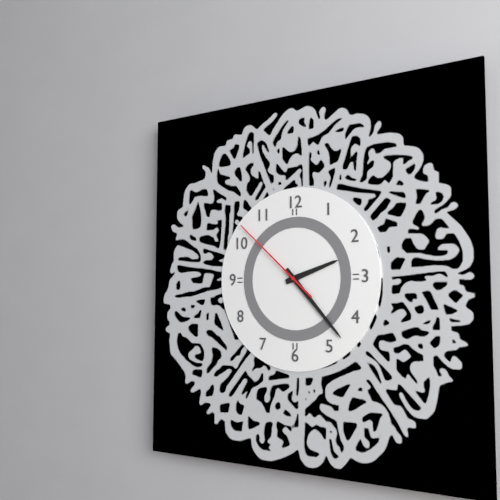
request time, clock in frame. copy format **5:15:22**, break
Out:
**2:23:52**
